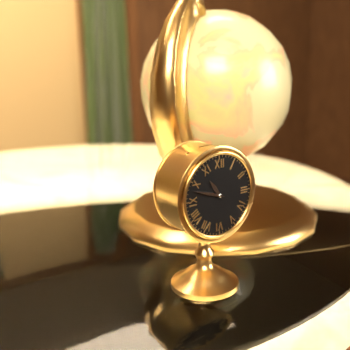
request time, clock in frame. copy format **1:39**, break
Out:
**10:48**
